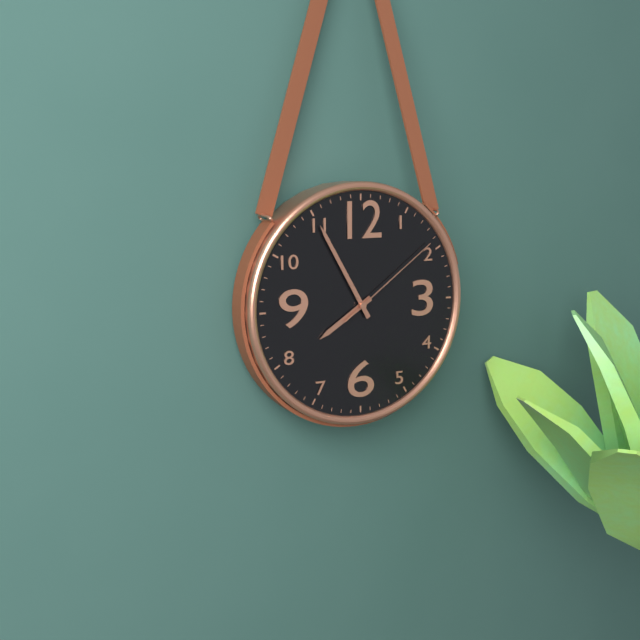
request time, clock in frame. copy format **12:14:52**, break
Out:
**7:55:09**
